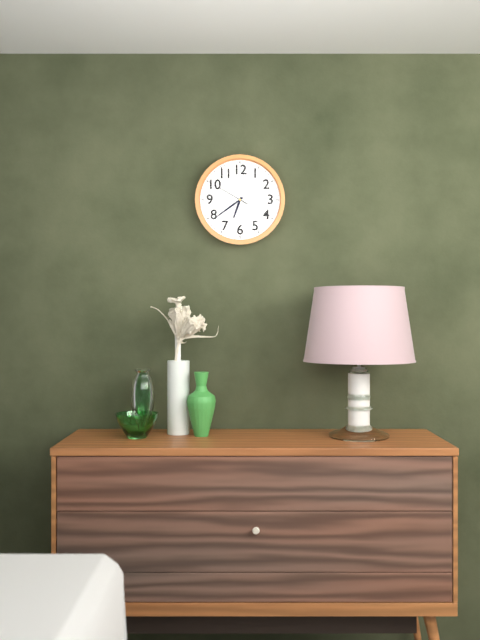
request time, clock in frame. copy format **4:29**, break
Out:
**6:39**
